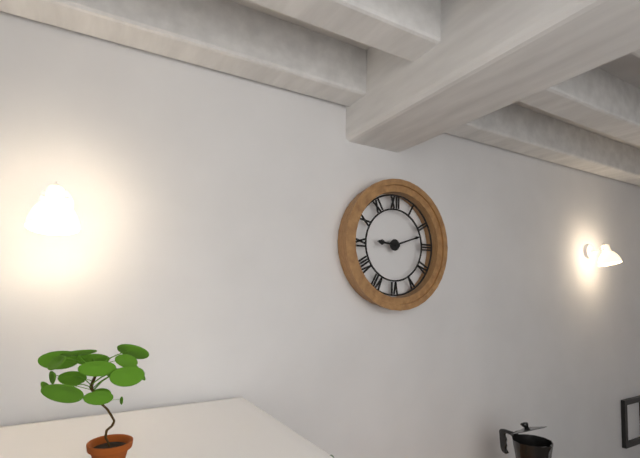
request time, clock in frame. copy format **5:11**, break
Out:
**9:12**
